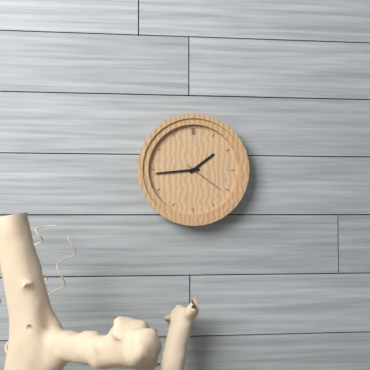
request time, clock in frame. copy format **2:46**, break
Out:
**1:44**
